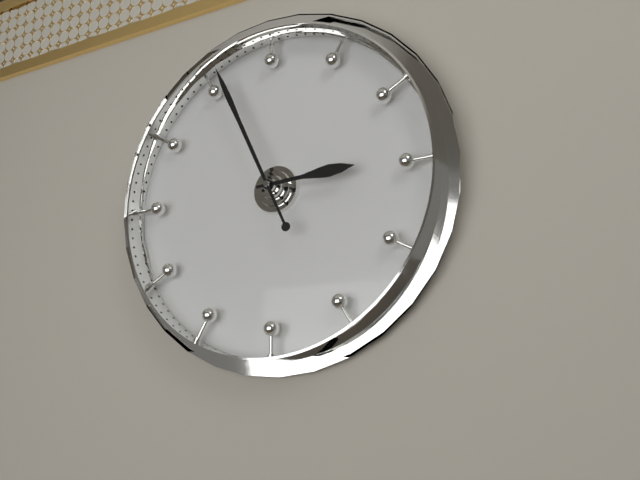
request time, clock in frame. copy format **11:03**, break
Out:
**2:56**
